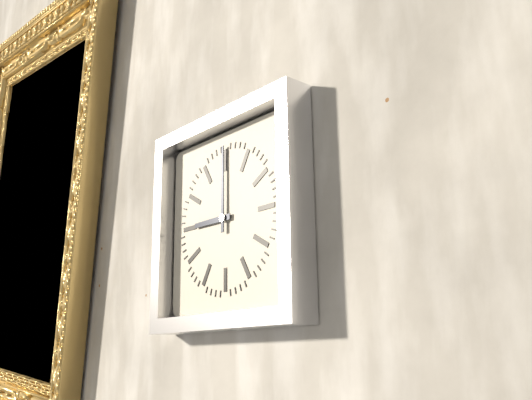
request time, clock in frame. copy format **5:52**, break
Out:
**9:00**
